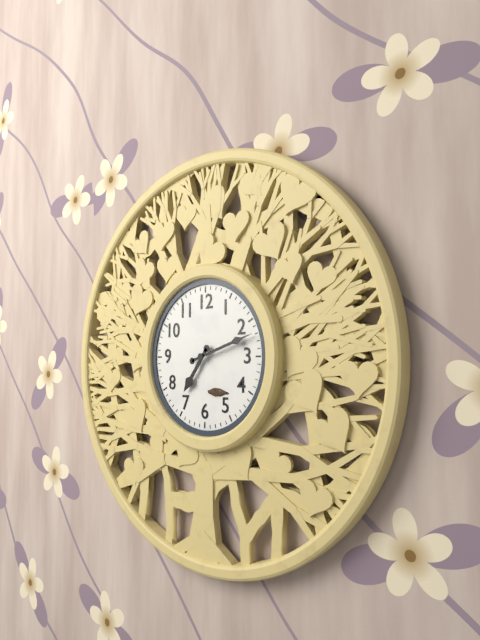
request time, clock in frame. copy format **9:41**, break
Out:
**7:12**
